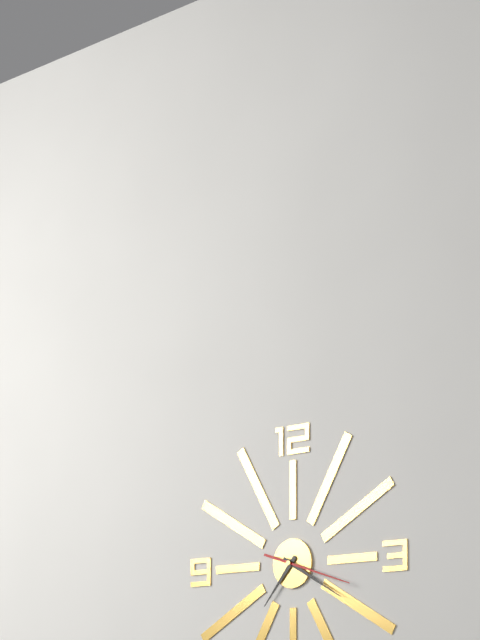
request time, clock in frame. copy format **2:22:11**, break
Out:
**7:20:18**
